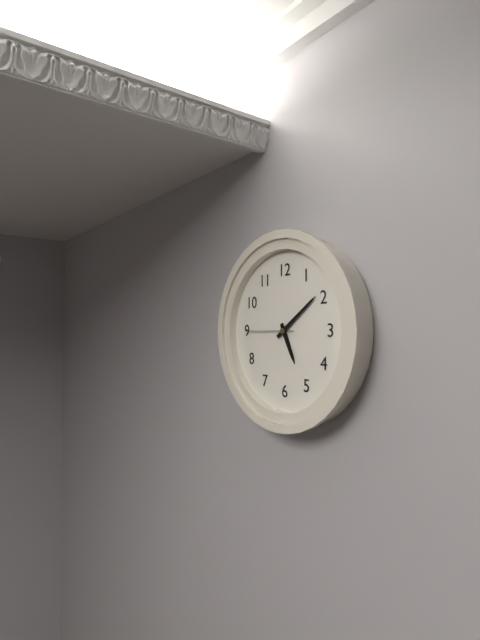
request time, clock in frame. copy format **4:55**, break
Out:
**5:09**
